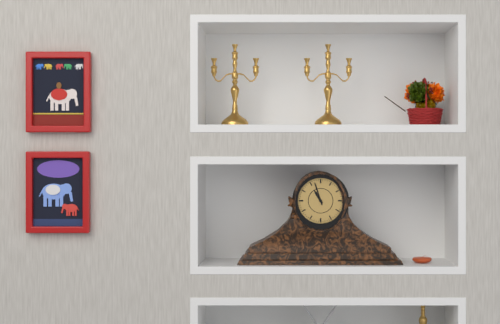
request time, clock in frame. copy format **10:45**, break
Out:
**10:57**
